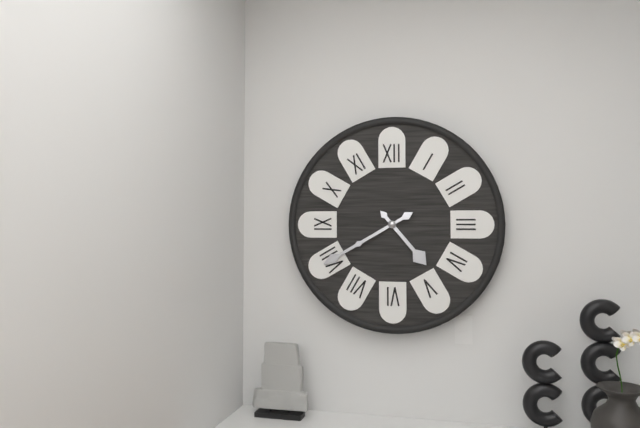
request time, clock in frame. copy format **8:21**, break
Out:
**4:40**
